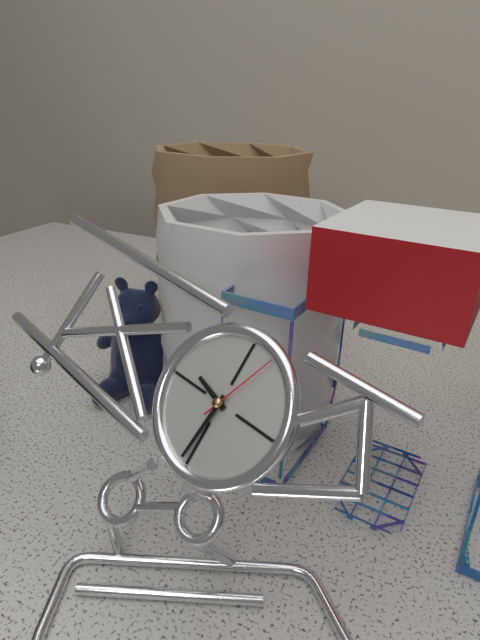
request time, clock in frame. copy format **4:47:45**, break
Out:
**9:31:04**
